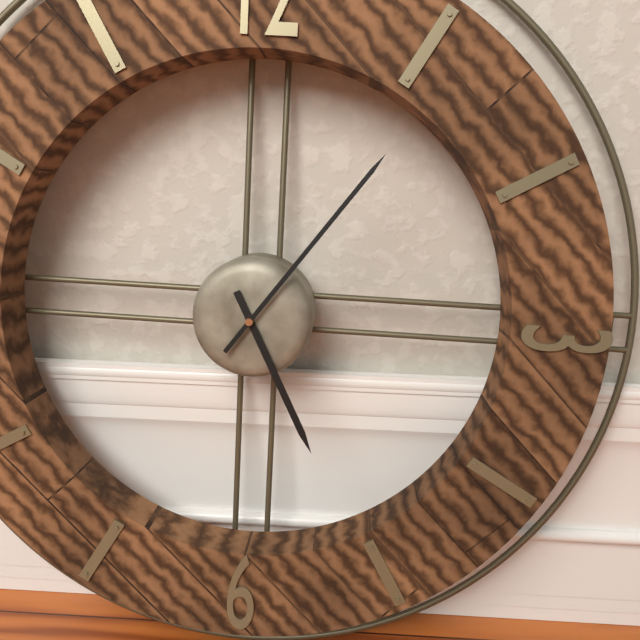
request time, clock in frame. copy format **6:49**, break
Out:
**5:06**
